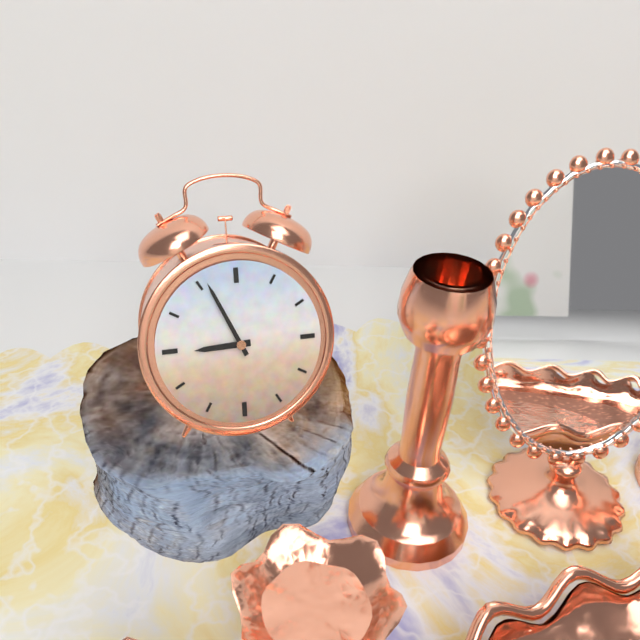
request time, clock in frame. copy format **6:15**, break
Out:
**8:56**
